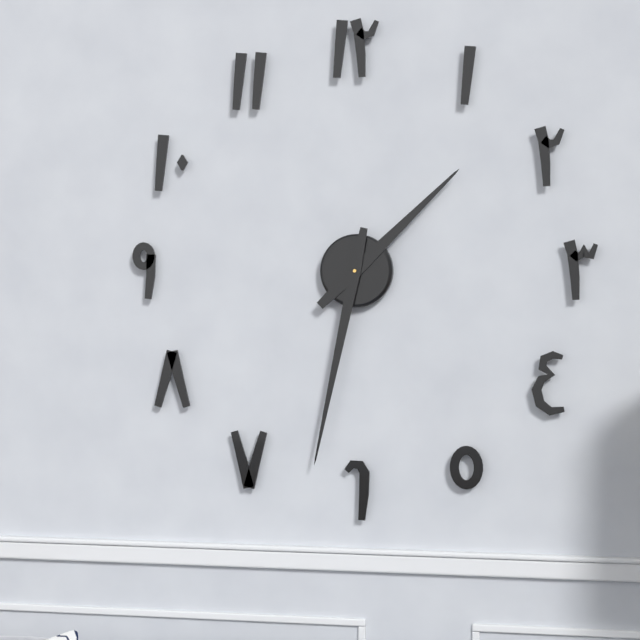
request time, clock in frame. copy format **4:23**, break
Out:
**1:32**
